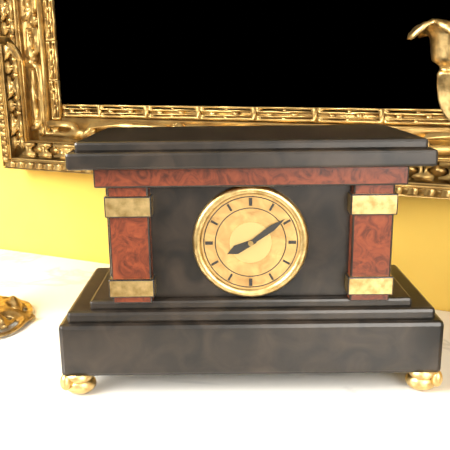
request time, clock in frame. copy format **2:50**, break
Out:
**8:09**
